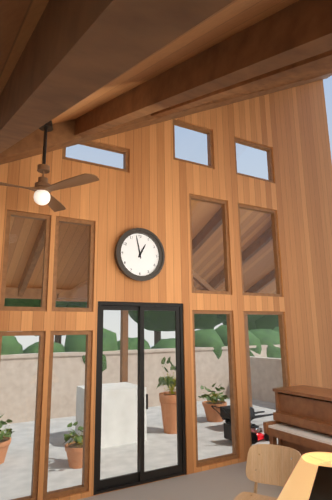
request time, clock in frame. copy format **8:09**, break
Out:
**12:58**
